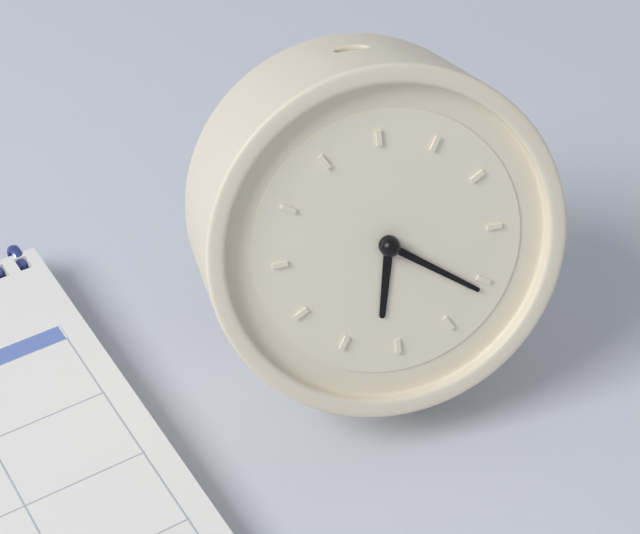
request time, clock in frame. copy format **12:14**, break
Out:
**6:21**
